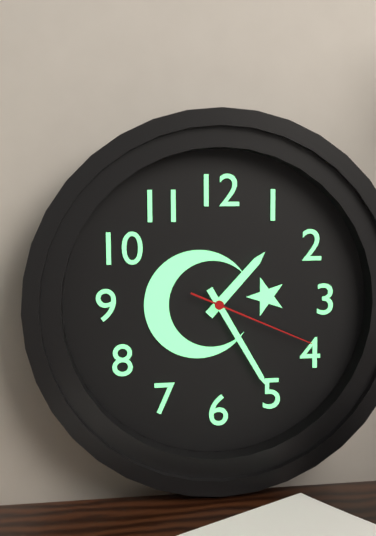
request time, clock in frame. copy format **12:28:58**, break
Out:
**1:25:19**
